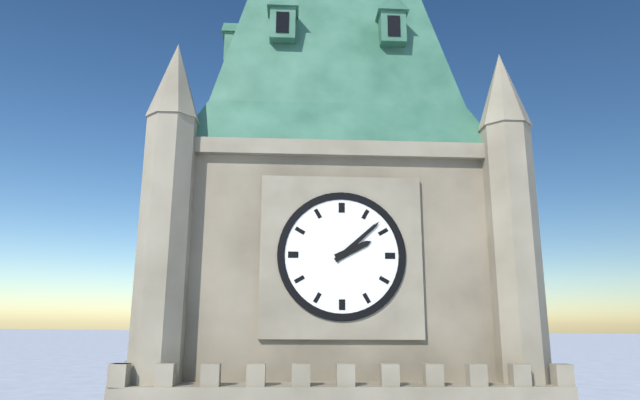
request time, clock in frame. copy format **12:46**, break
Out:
**2:08**
